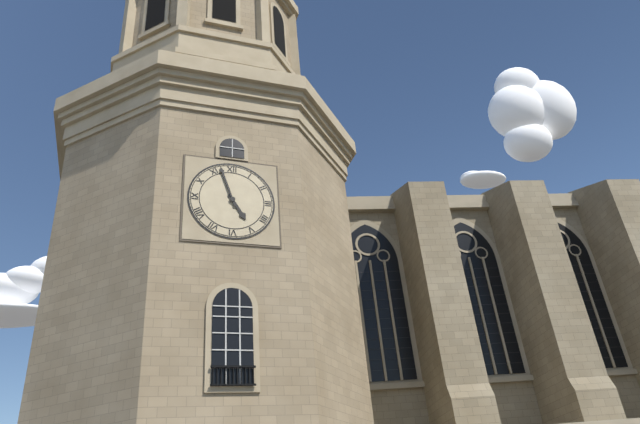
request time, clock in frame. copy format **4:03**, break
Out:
**4:57**
